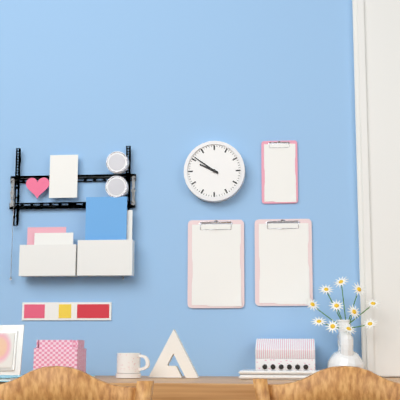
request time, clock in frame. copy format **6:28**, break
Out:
**9:51**
